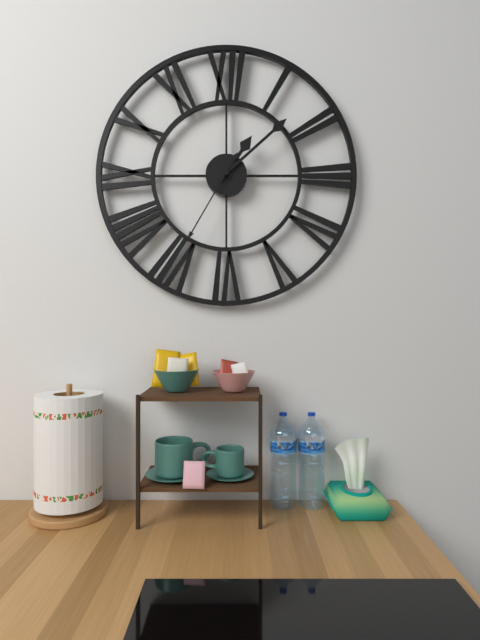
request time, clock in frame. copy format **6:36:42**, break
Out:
**1:08:35**
